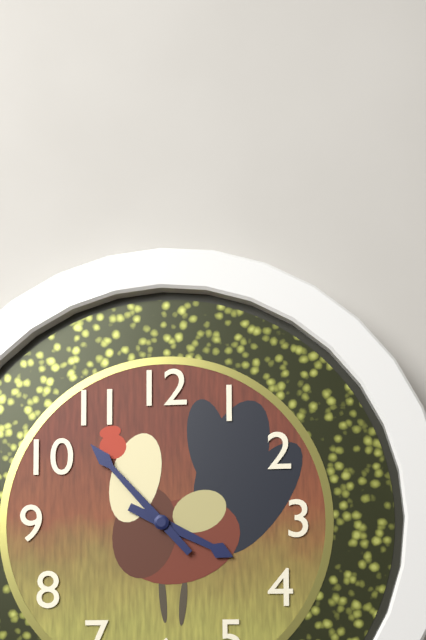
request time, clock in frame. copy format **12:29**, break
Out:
**3:53**
